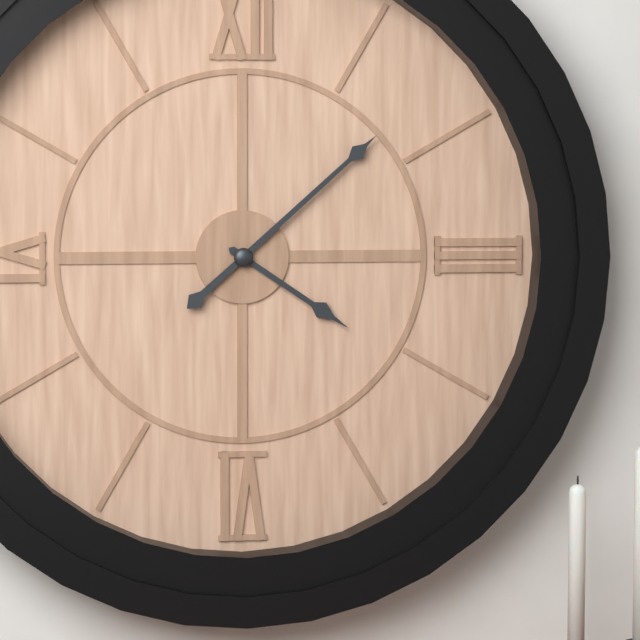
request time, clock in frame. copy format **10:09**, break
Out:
**4:08**
